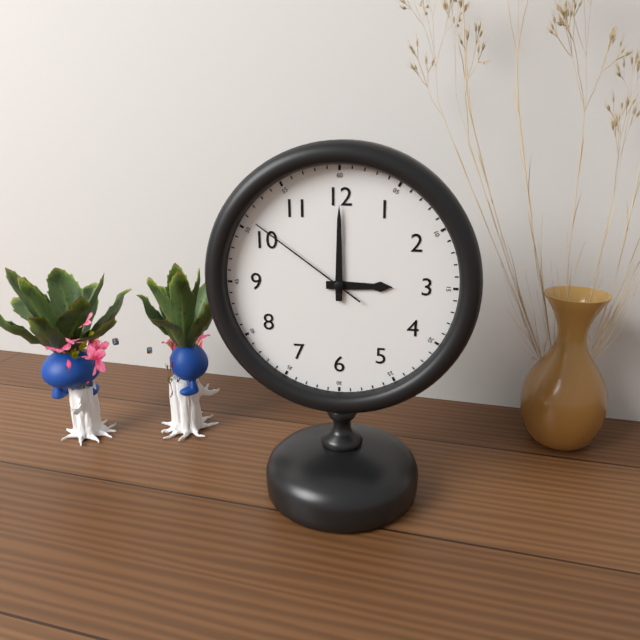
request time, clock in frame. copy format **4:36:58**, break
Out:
**3:00:51**
